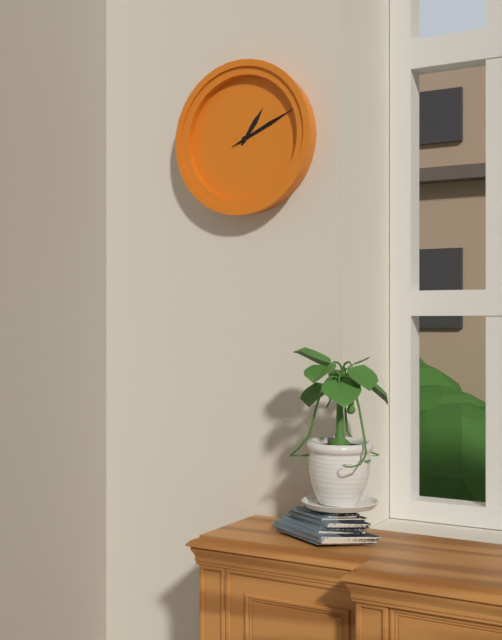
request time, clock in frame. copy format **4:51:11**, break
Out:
**1:11:11**
